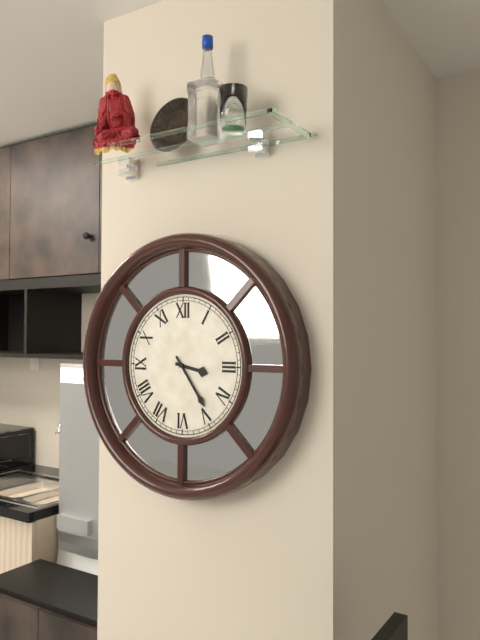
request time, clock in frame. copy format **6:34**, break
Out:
**3:24**
